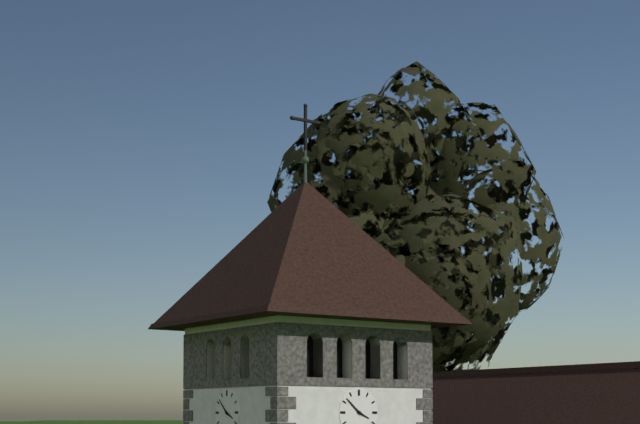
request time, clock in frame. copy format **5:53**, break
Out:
**3:52**
